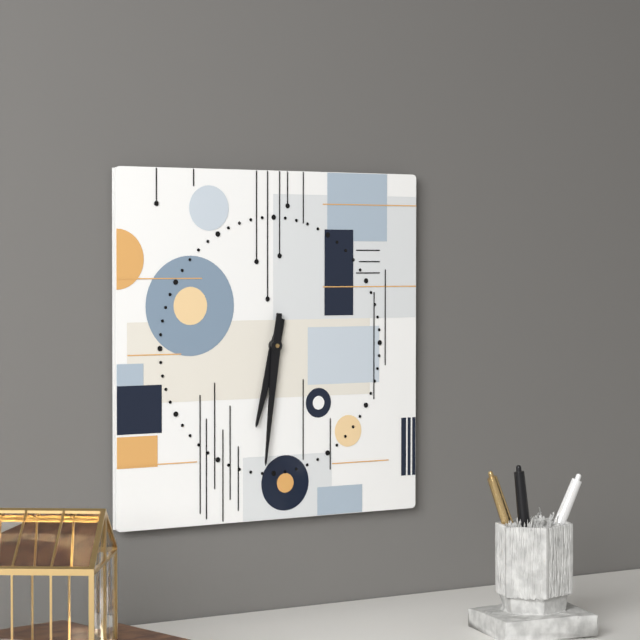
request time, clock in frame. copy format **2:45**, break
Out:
**6:31**
